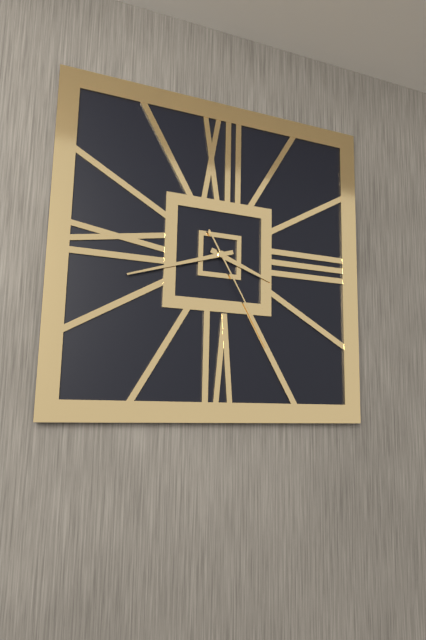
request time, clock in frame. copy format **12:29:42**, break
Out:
**3:42:25**
